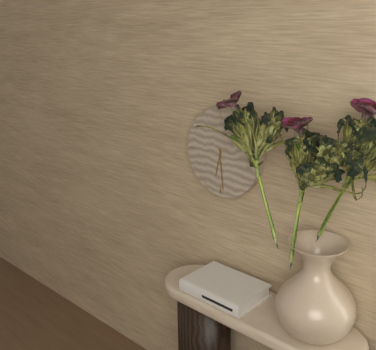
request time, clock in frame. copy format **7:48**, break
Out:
**6:29**
